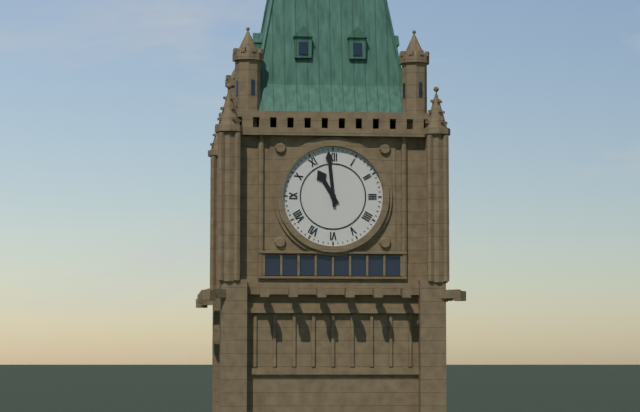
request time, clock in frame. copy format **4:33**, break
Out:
**10:59**
